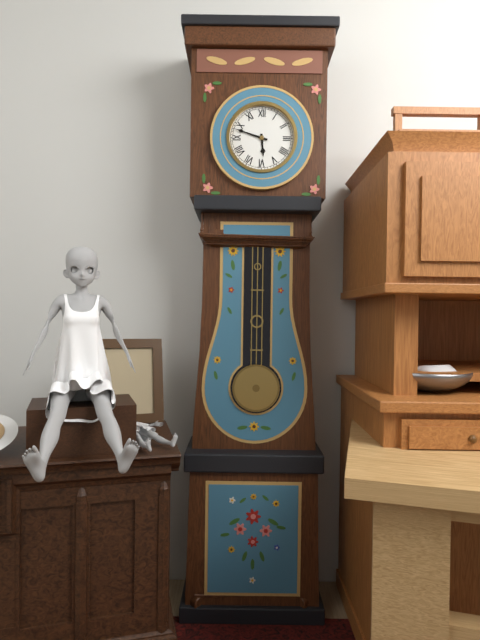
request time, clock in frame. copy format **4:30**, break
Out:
**5:48**
